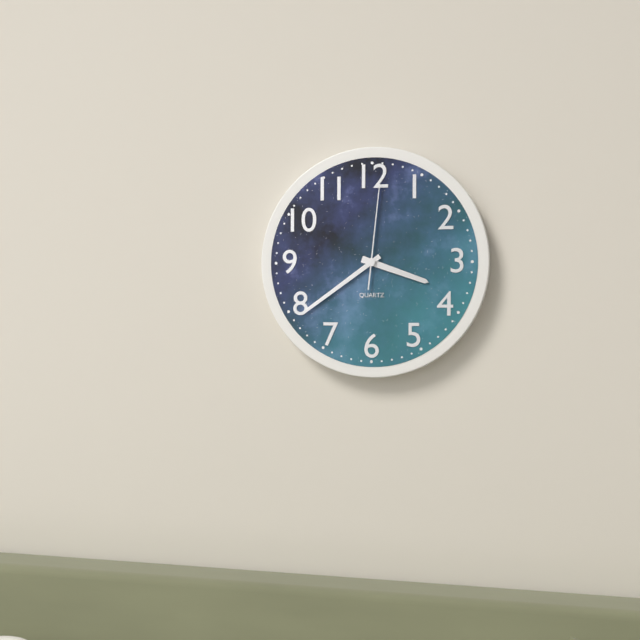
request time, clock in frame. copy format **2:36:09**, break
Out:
**3:39:01**
